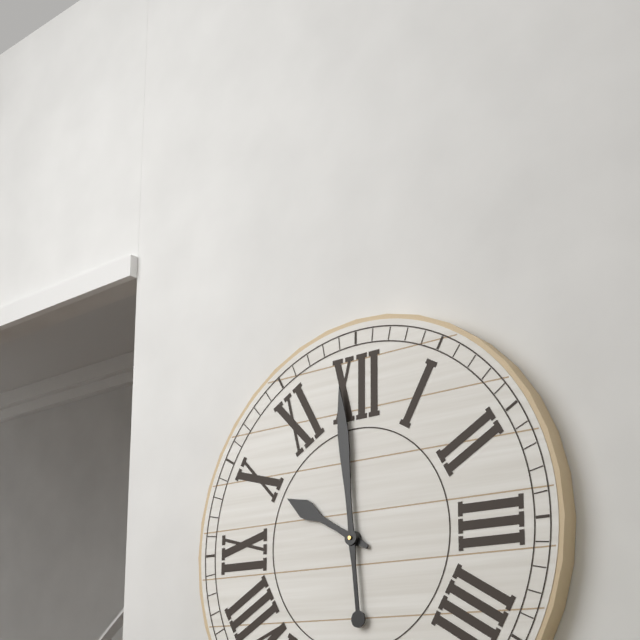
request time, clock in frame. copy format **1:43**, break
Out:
**9:59**
